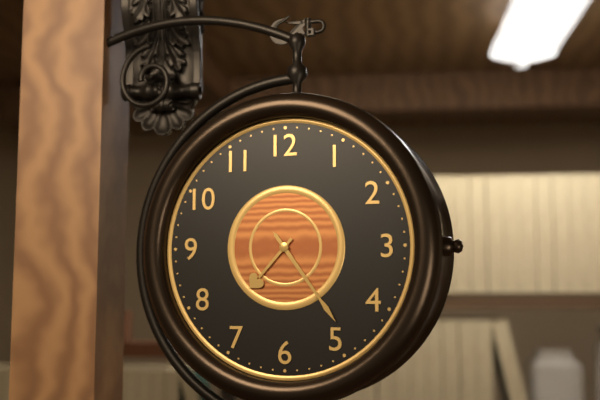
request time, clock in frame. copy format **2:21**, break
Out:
**7:24**
